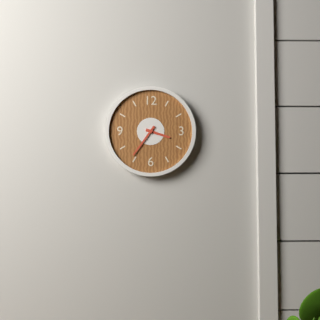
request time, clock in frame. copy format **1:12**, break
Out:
**3:36**
